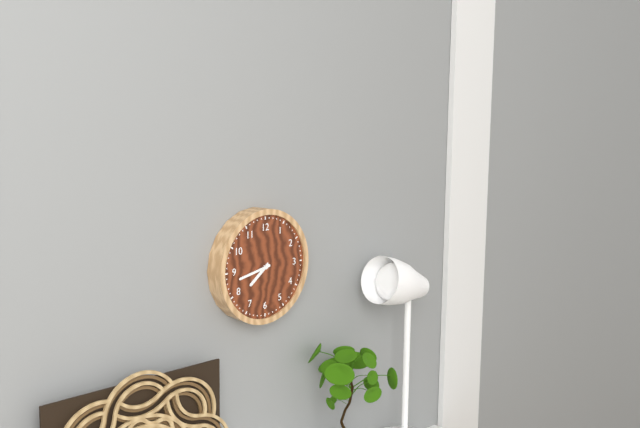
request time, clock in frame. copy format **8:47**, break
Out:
**7:43**
